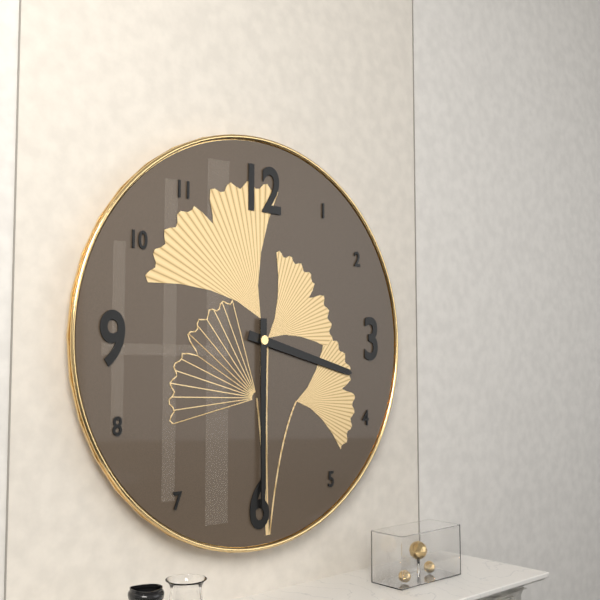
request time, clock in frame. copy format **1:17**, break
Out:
**3:30**
